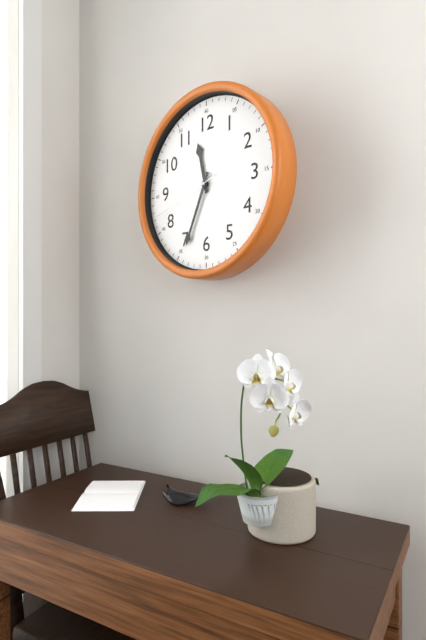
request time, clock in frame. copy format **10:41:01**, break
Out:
**11:34:42**
